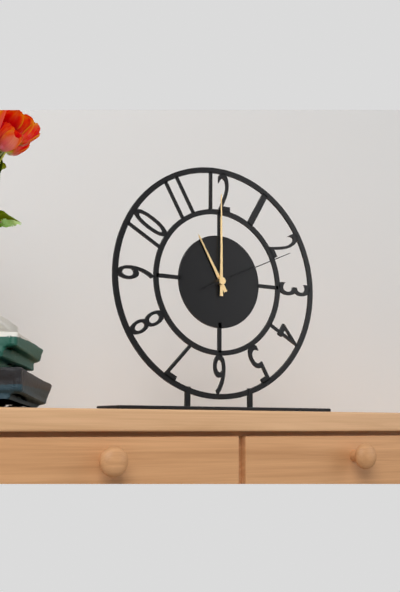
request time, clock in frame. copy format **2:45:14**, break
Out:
**11:00:11**
